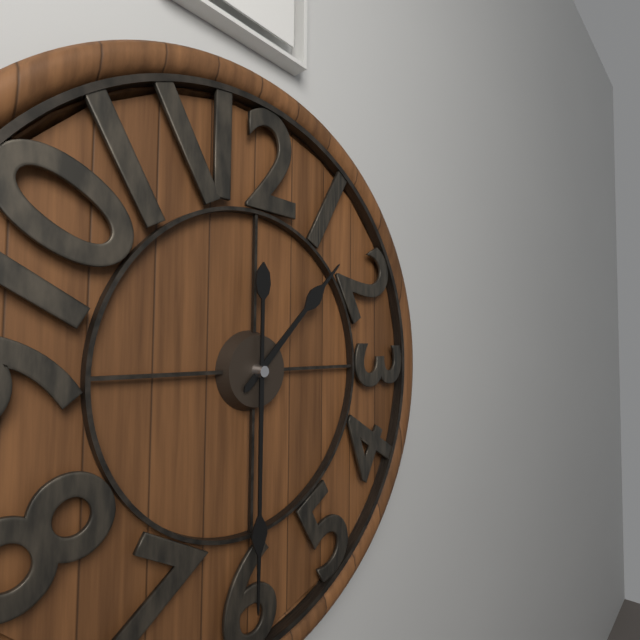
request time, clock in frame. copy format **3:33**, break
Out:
**1:30**
